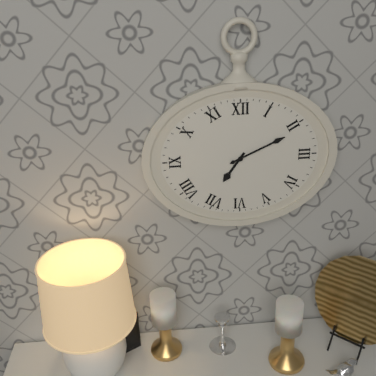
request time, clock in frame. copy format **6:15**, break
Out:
**7:11**
